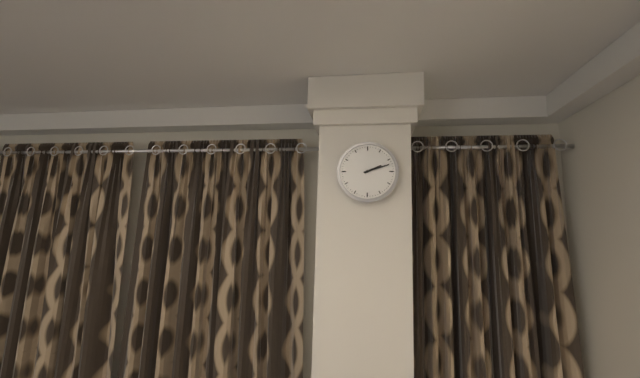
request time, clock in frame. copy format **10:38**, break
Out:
**2:12**
